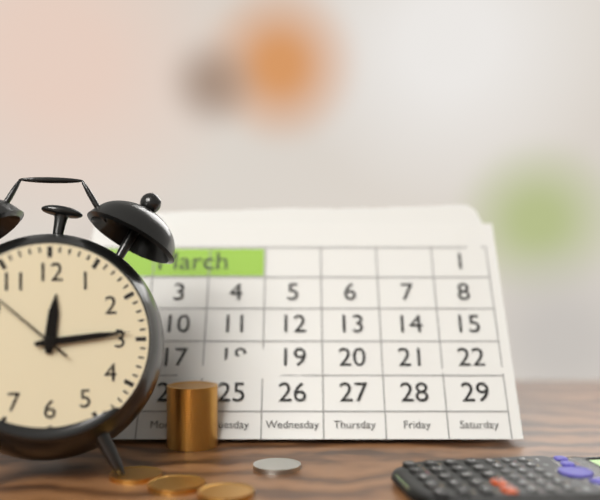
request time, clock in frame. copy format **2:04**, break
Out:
**12:14**
